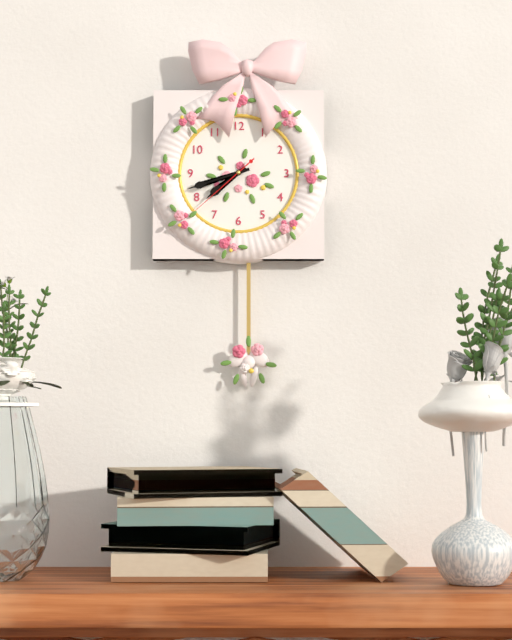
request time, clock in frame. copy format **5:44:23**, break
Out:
**7:42:38**
